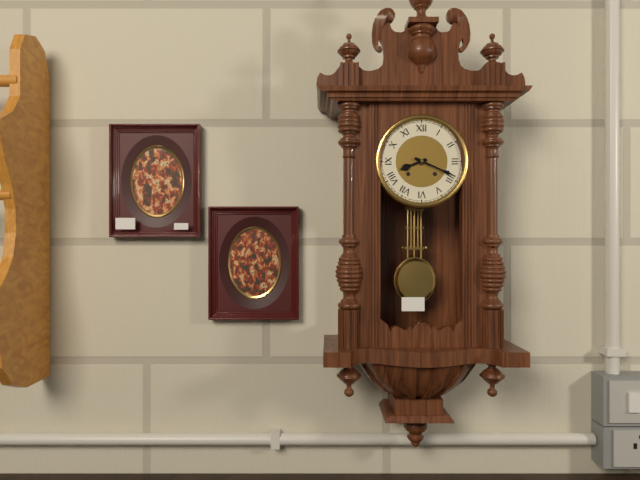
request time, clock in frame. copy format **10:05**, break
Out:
**8:19**
